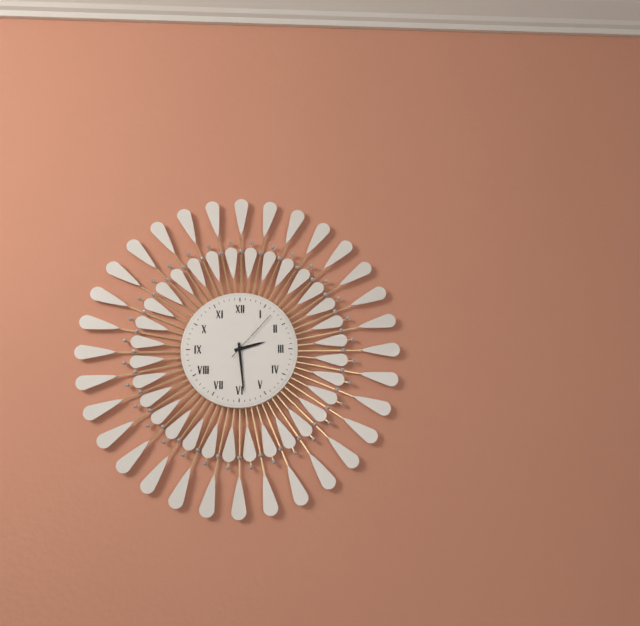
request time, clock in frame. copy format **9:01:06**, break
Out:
**2:29:07**
